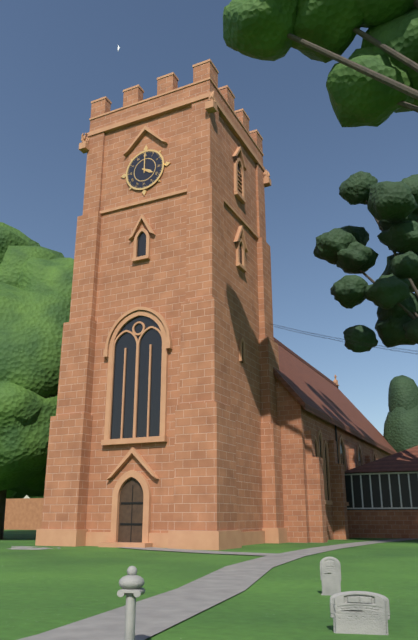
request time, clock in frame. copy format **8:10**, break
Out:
**4:00**
